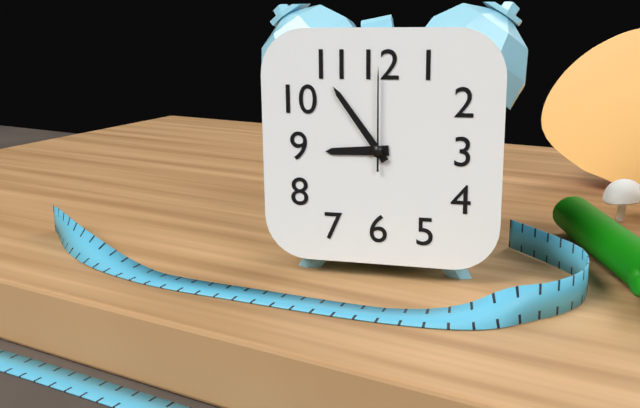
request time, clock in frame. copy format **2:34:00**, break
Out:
**8:54:00**
